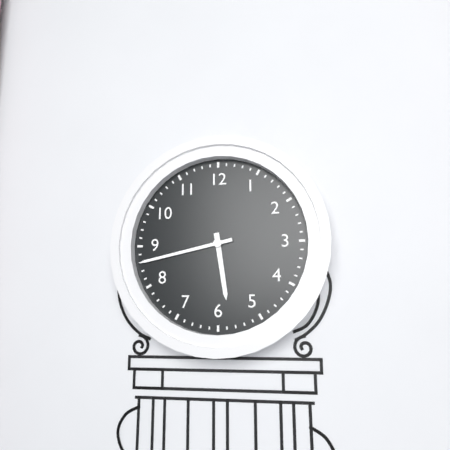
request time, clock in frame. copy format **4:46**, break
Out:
**5:43**
